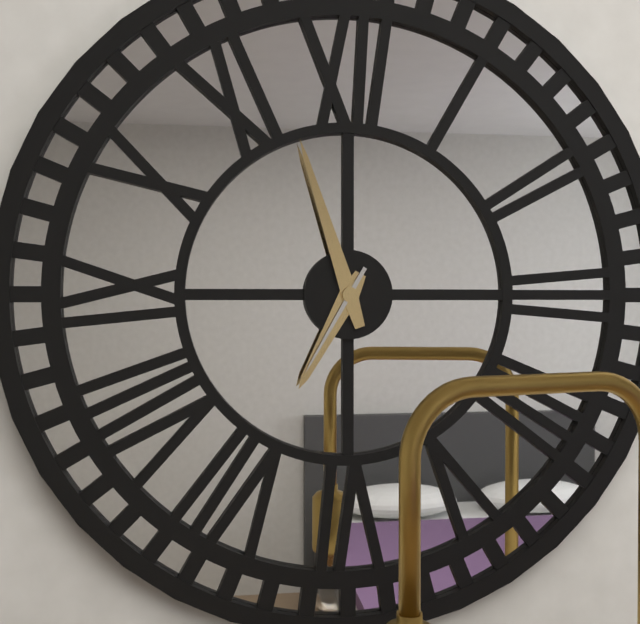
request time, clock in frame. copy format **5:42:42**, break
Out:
**6:57:35**
